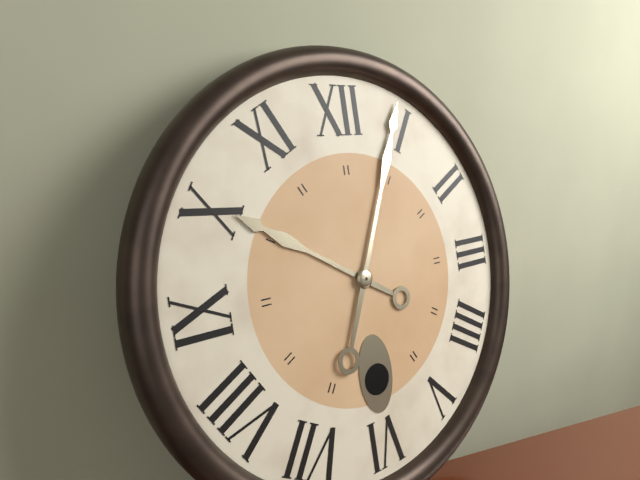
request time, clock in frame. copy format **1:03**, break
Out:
**10:04**
